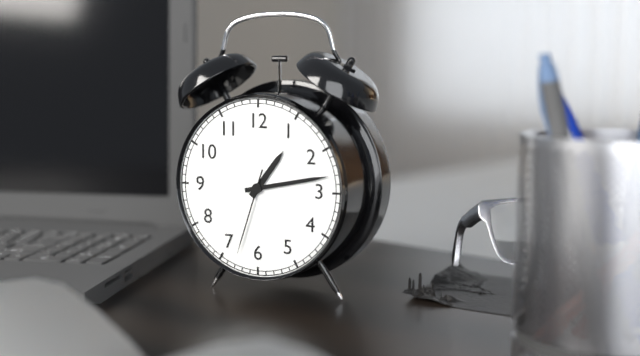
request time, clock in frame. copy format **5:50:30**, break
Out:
**1:13:33**
